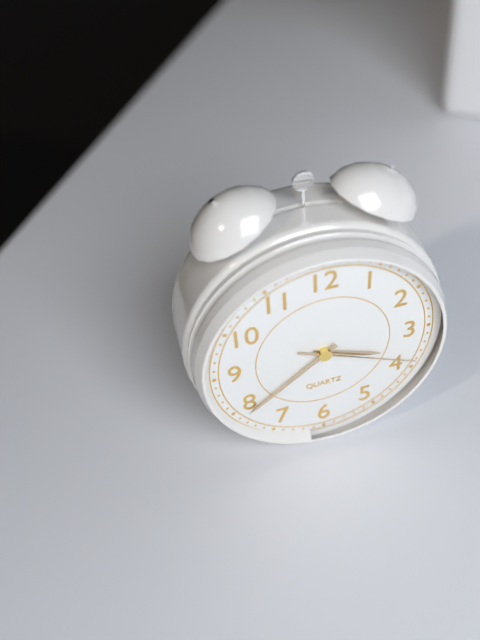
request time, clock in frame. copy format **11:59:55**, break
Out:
**3:39:19**
